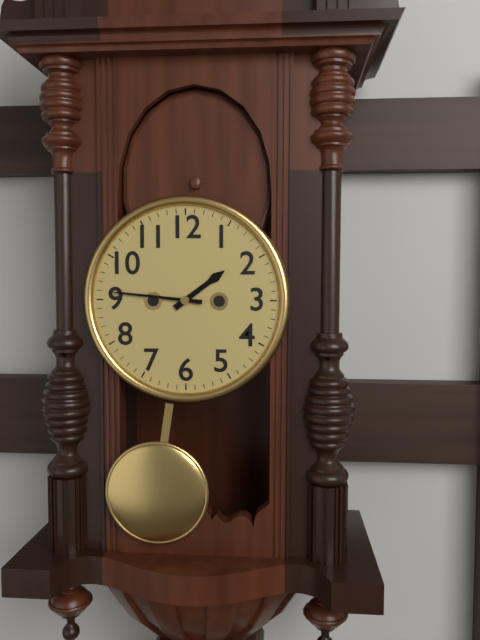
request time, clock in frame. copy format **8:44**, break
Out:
**1:46**
